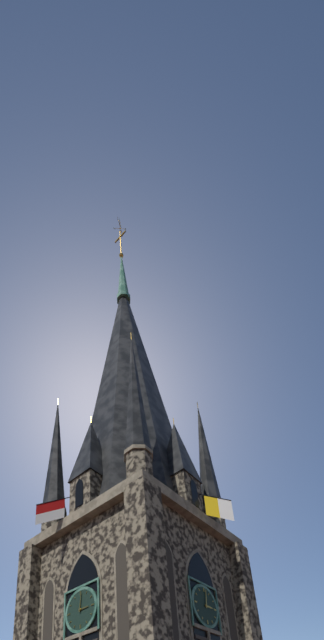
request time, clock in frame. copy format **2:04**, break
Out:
**3:01**
